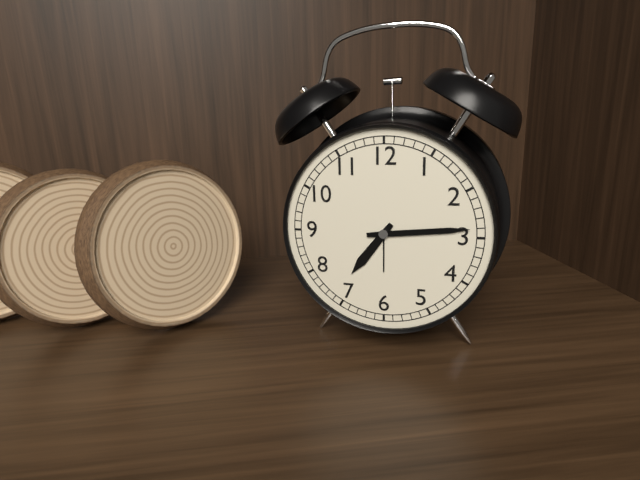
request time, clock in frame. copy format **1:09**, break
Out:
**7:14**
